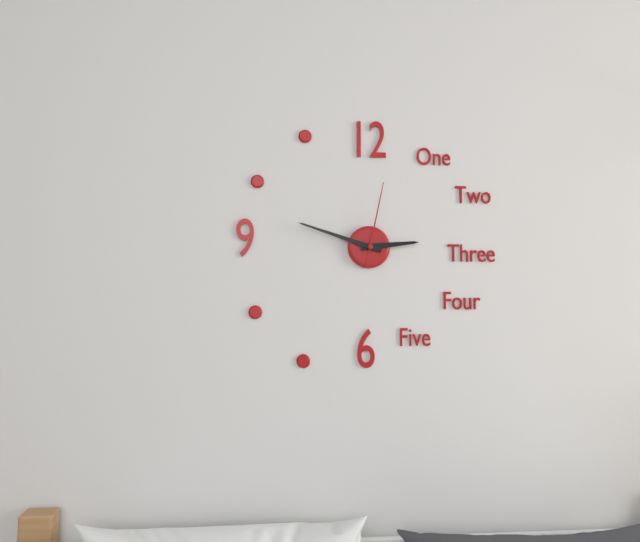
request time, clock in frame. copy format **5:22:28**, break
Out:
**2:48:02**
